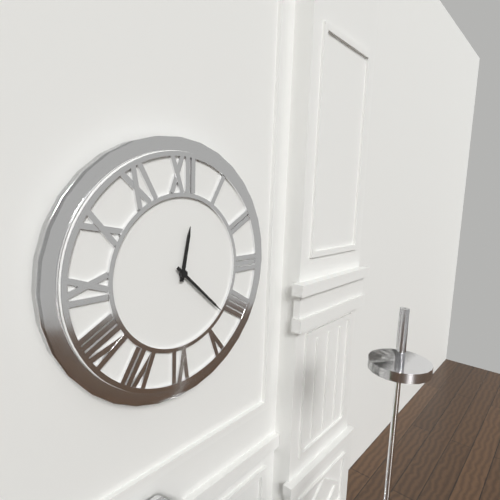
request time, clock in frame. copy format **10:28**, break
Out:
**12:22**
